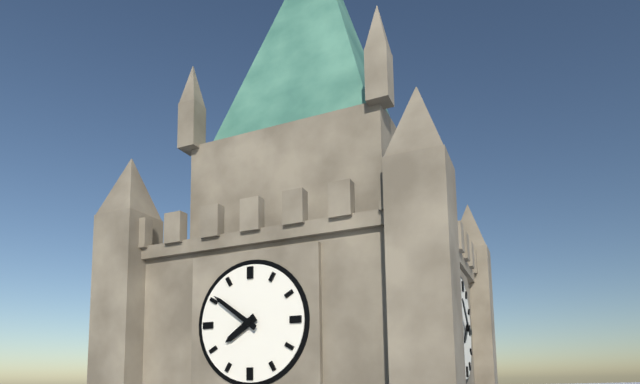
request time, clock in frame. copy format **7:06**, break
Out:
**7:51**
